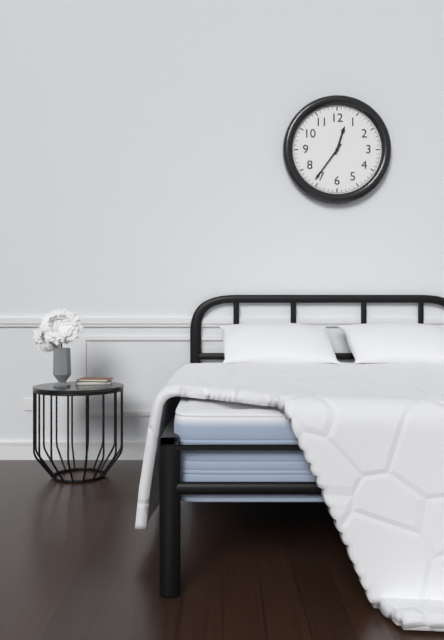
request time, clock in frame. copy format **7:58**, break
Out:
**12:36**
